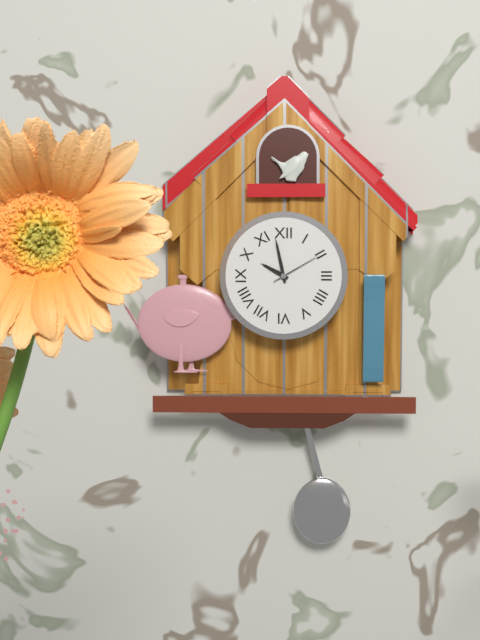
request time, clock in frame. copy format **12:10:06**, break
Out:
**9:58:10**
